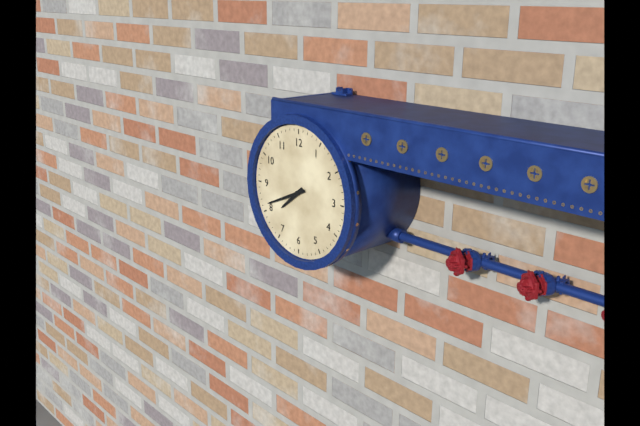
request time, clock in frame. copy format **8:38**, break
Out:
**7:41**
